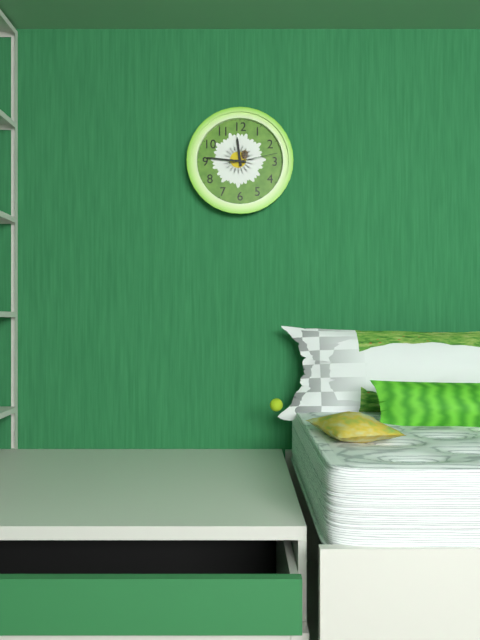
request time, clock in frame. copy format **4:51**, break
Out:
**11:46**
